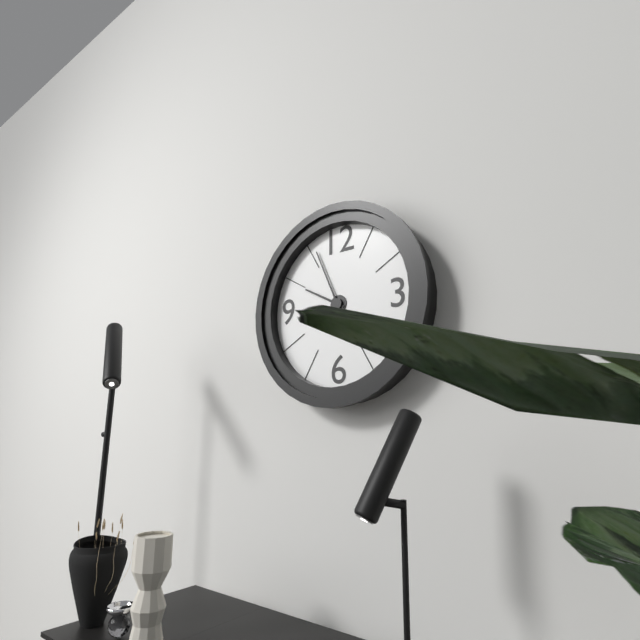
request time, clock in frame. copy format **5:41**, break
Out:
**9:56**
